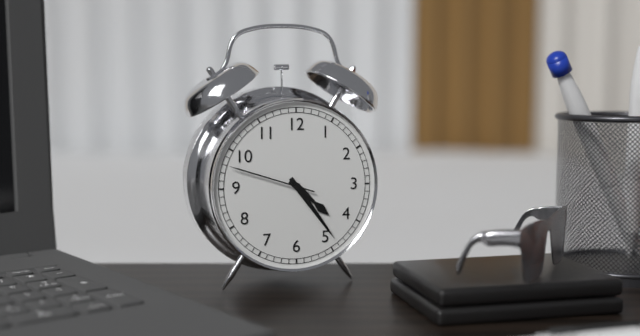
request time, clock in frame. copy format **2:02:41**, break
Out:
**4:24:48**
